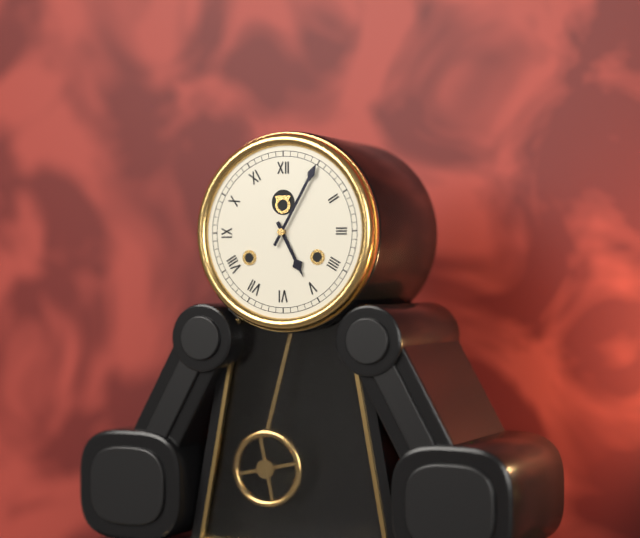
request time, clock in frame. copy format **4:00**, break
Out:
**5:05**
